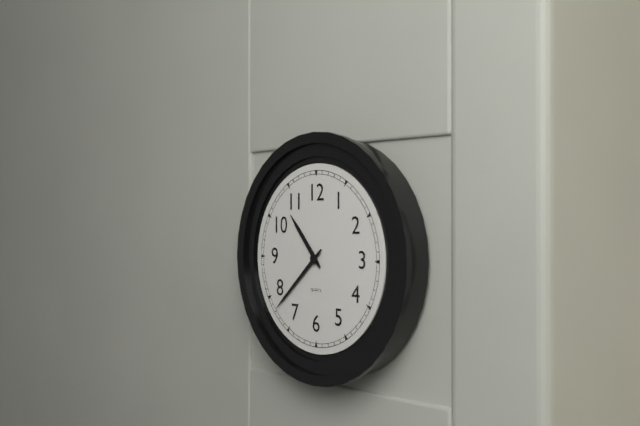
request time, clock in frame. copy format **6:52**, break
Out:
**10:38**
